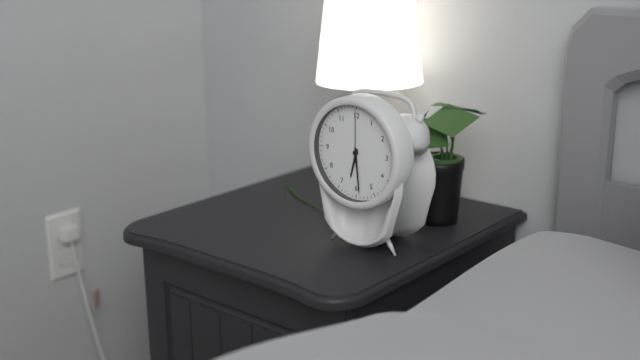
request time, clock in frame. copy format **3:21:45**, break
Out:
**6:29:00**
